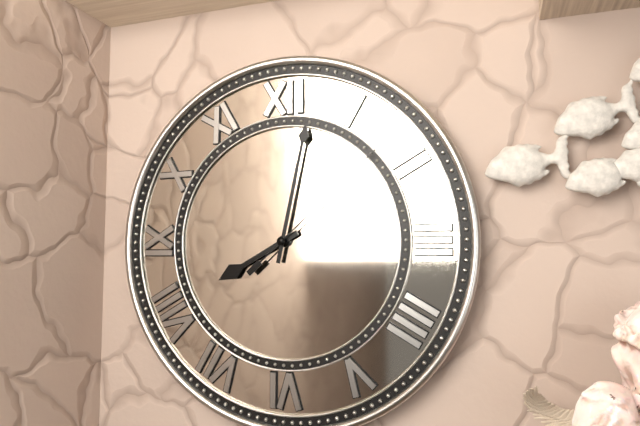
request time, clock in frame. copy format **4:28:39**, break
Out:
**8:02:08**
